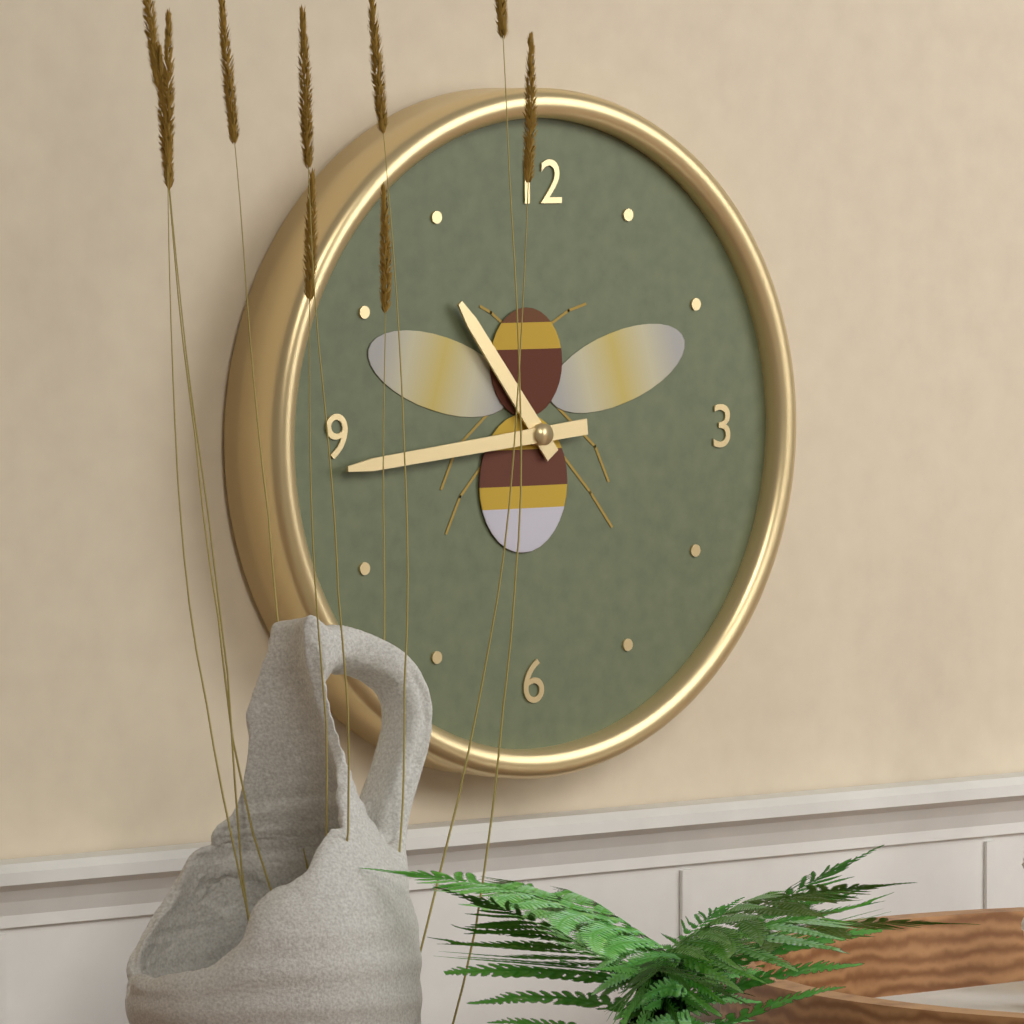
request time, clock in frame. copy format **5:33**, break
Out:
**10:44**
